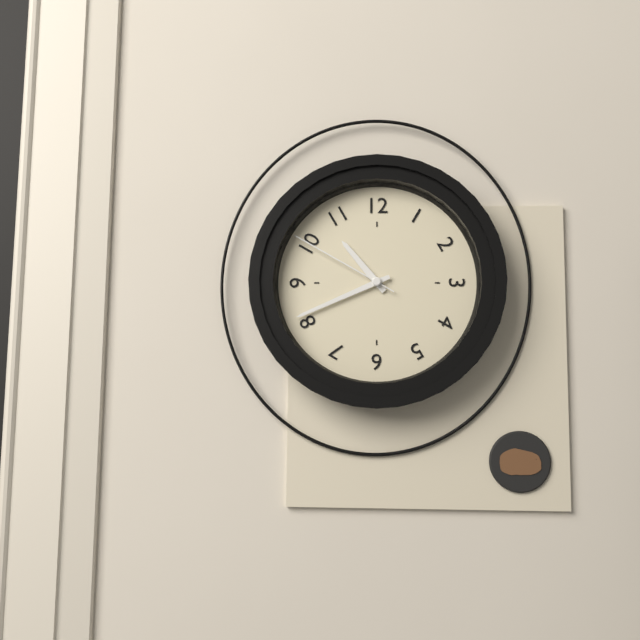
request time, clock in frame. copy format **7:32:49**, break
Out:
**10:41:50**
